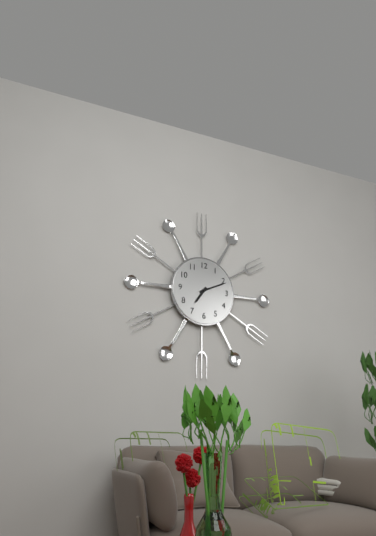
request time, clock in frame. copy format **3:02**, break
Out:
**7:11**
